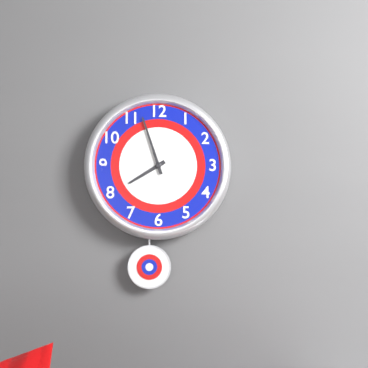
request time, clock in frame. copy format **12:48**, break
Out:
**7:57**
